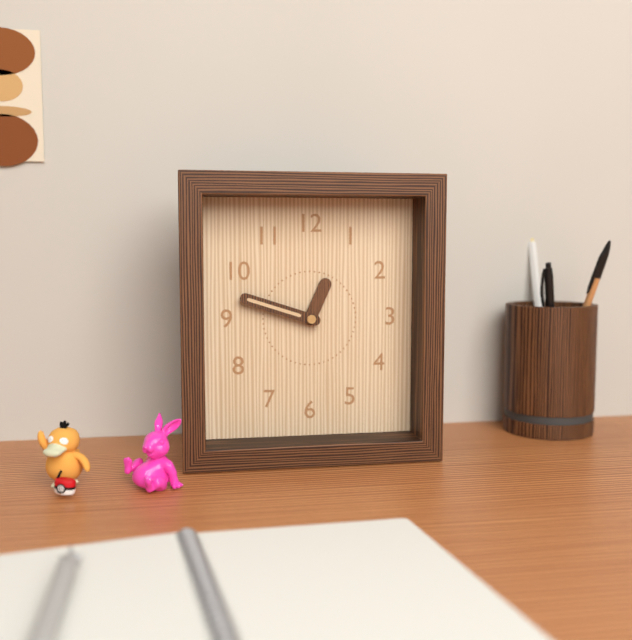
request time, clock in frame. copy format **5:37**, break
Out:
**12:48**
